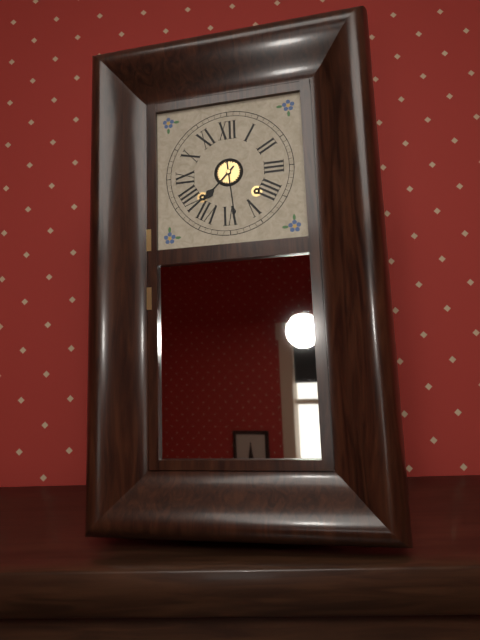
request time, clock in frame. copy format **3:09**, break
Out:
**7:29**
